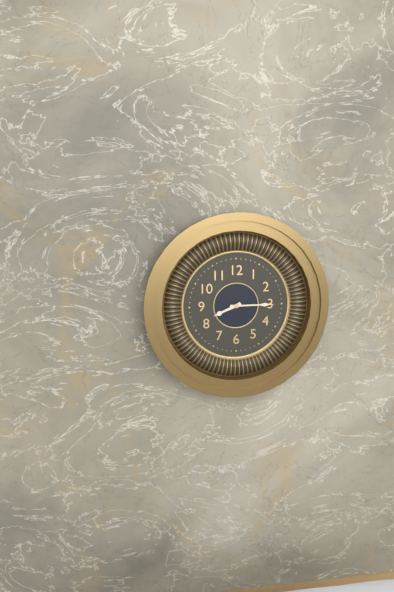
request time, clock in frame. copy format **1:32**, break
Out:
**8:15**
